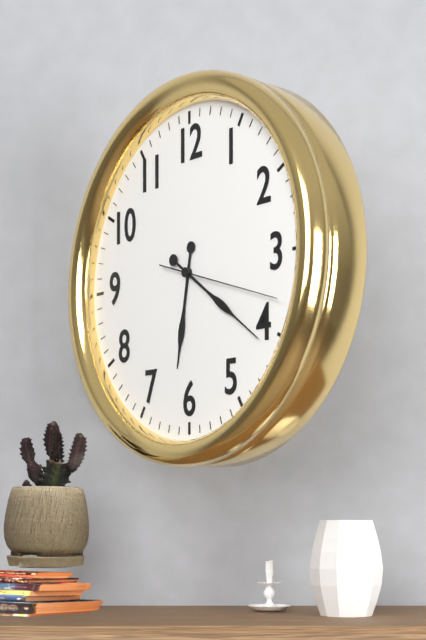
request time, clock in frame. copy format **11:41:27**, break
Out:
**6:21:18**
